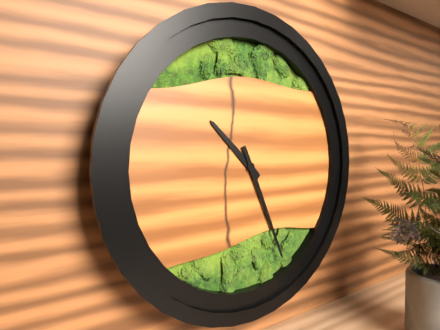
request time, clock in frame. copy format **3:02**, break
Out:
**10:26**
